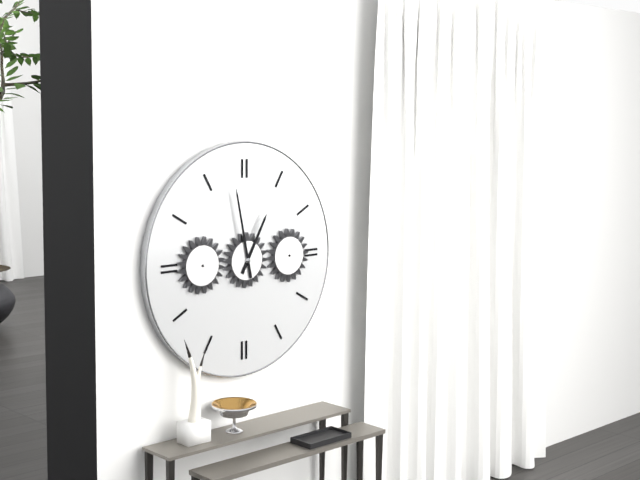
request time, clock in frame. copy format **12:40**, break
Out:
**12:58**
